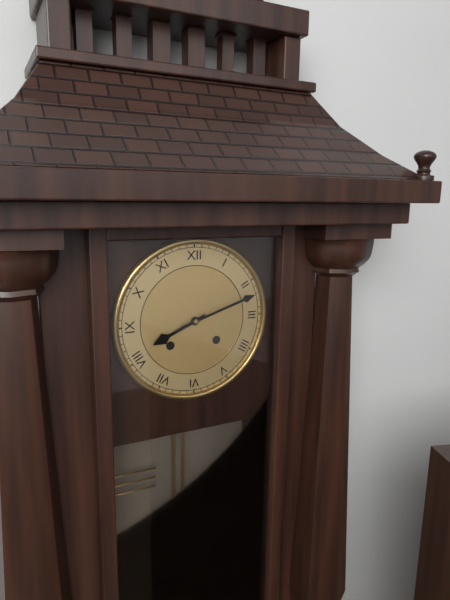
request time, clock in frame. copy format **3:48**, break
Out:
**8:12**
